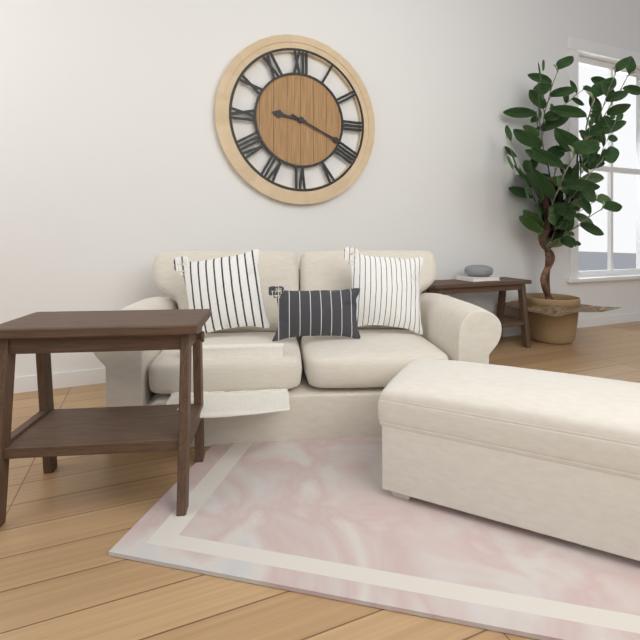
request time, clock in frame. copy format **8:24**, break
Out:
**9:19**
